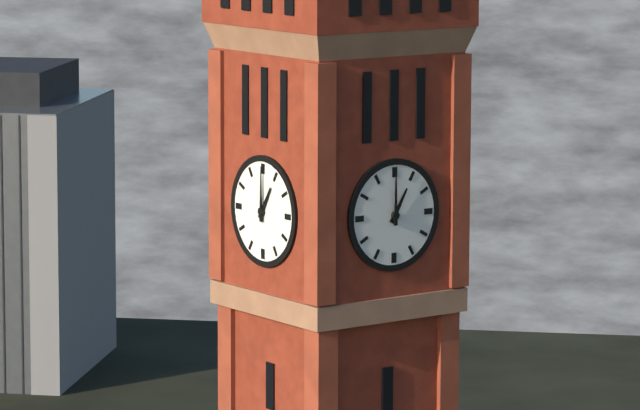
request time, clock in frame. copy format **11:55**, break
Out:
**1:00**
